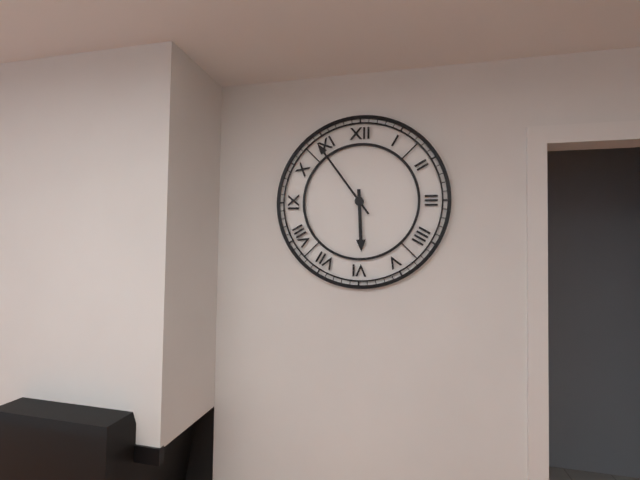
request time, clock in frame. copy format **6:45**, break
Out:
**5:54**
